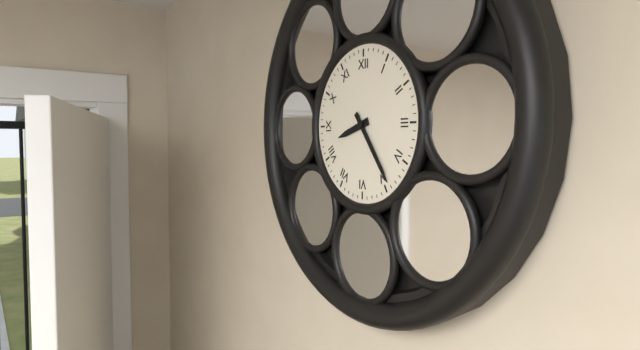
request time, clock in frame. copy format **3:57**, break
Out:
**8:24**
